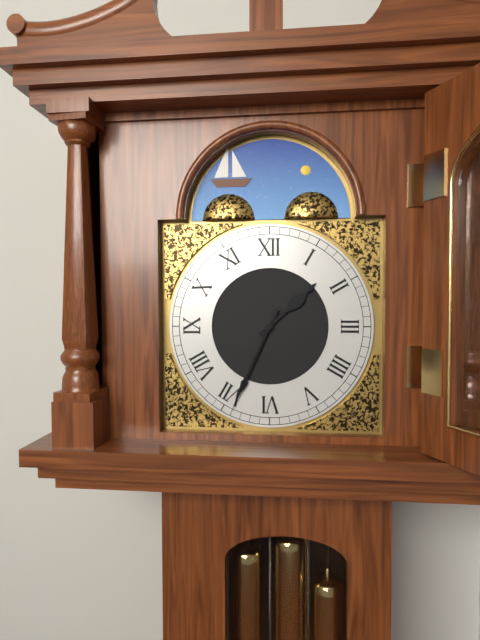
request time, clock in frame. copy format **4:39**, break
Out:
**1:34**
